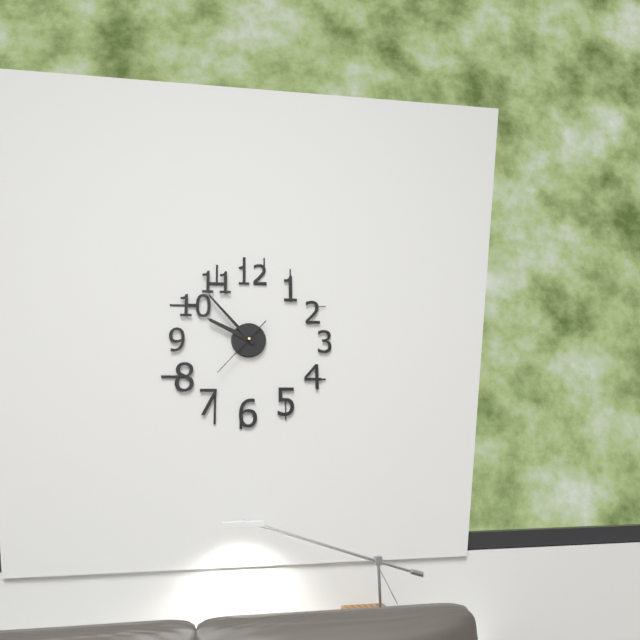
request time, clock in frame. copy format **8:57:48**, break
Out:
**9:53:37**
